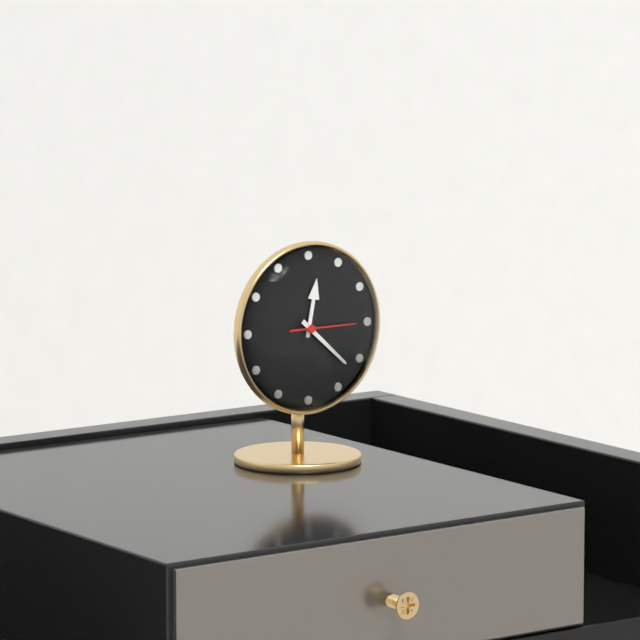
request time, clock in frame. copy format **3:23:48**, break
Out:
**12:22:15**
